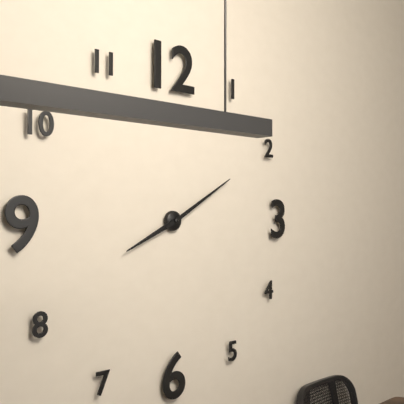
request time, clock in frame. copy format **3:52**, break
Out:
**8:10**
